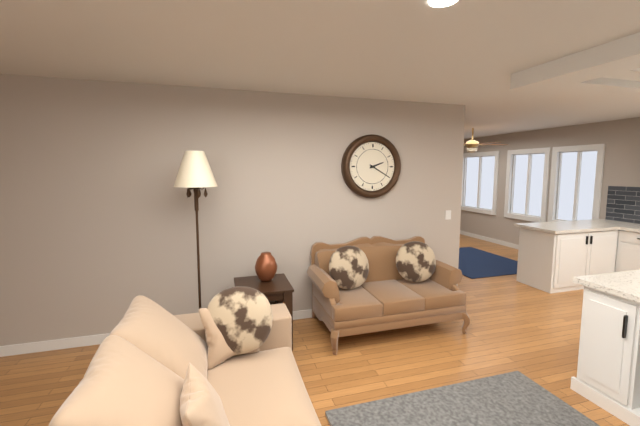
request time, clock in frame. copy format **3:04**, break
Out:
**2:20**
